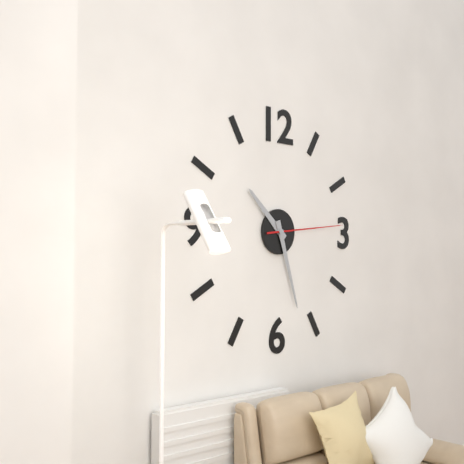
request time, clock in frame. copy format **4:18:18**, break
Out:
**10:27:14**
